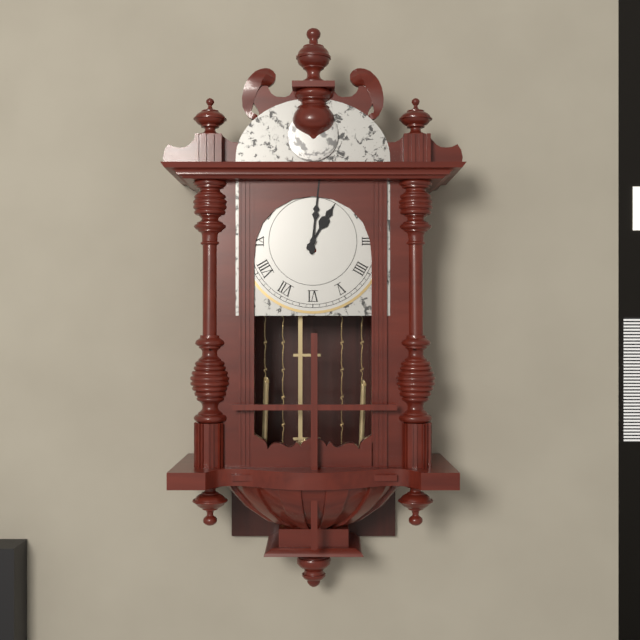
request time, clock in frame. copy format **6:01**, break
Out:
**1:01**
